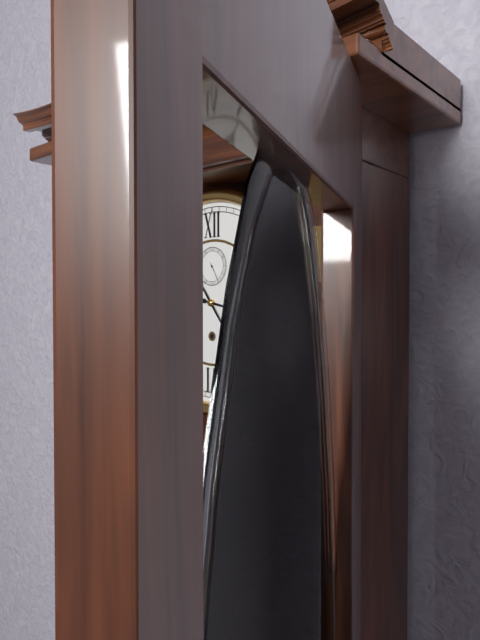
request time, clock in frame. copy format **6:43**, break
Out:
**3:24**
